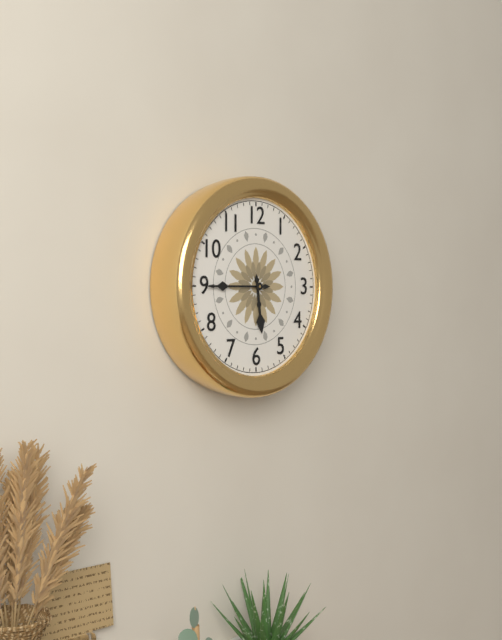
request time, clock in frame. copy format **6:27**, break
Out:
**5:45**
